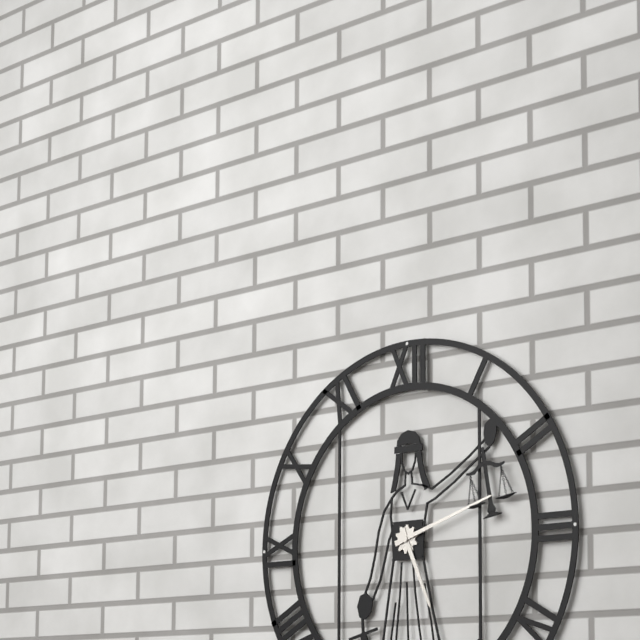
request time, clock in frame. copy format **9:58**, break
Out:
**5:12**
